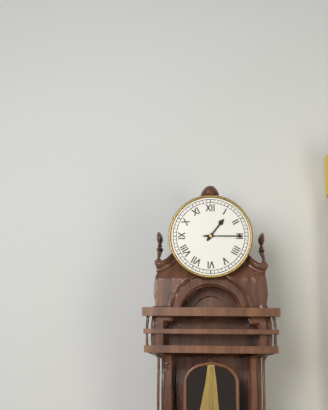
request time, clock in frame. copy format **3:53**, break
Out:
**1:15**
